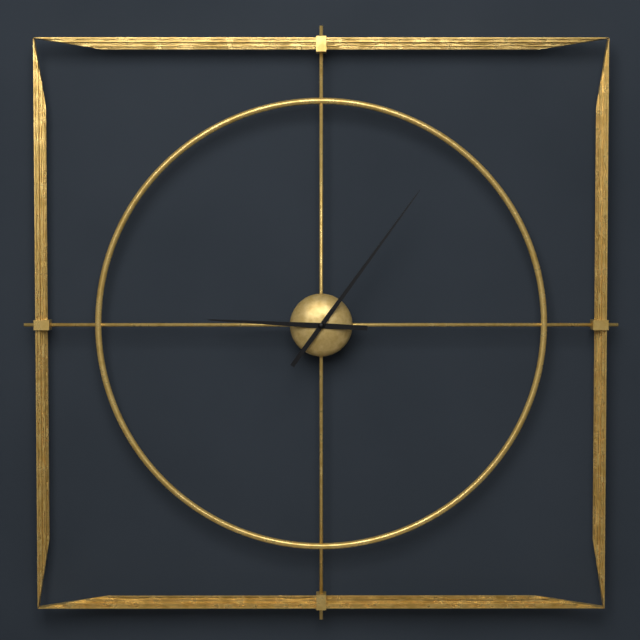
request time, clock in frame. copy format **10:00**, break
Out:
**9:06**
